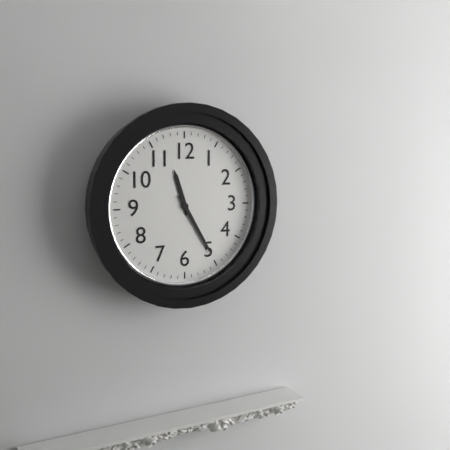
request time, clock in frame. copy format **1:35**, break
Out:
**11:25**
